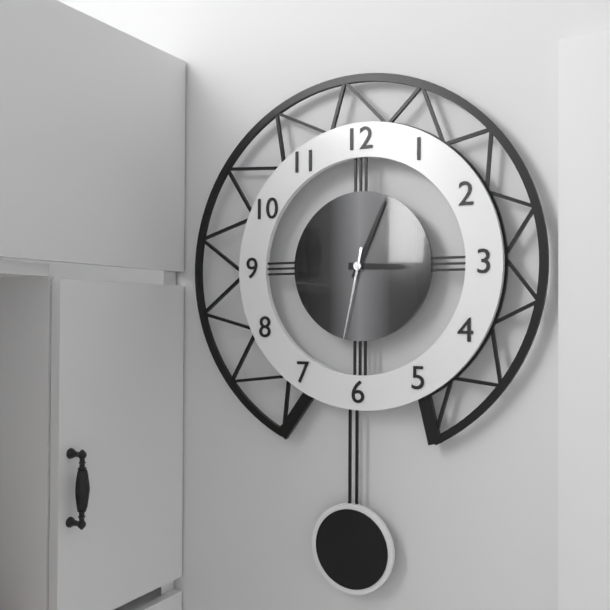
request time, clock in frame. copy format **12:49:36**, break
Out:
**3:04:32**
